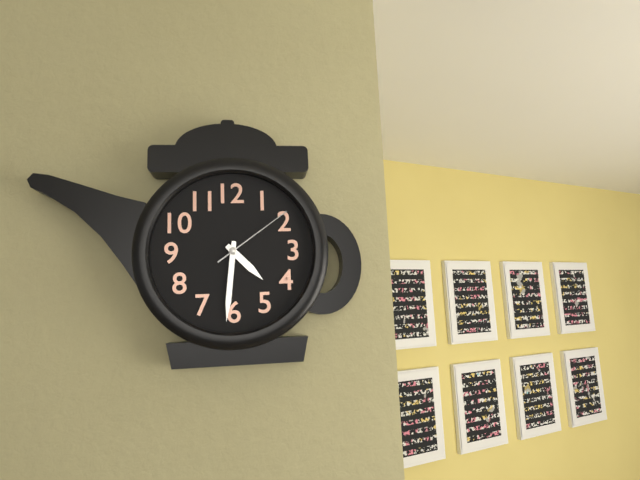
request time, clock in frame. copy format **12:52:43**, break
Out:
**4:31:09**
